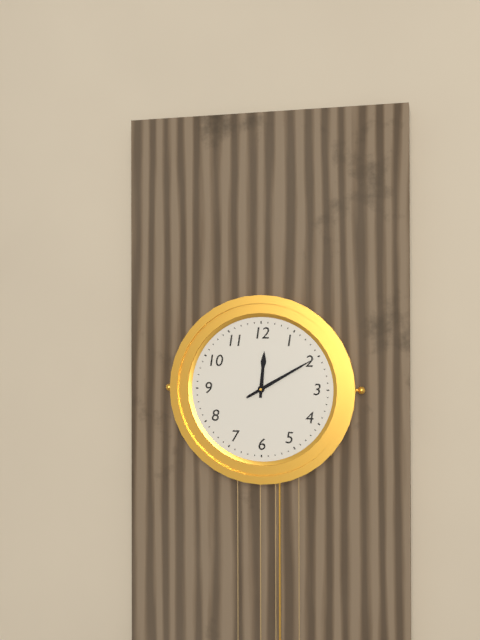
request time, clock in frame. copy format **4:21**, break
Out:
**12:10**
